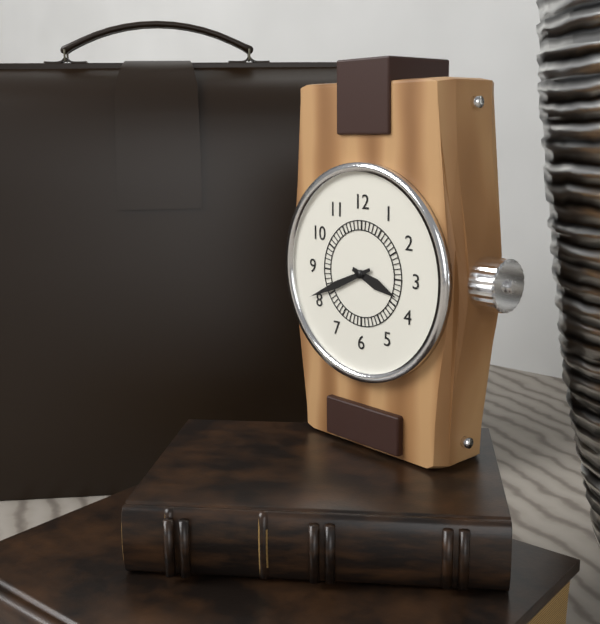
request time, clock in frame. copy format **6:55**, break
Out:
**3:41**
